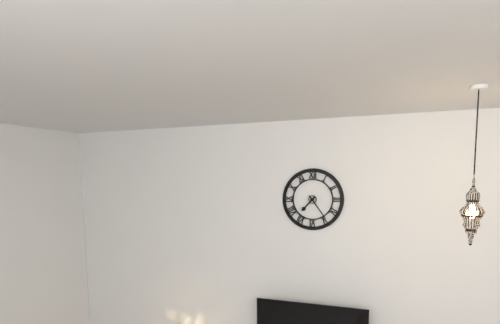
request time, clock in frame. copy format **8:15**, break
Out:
**7:24**
